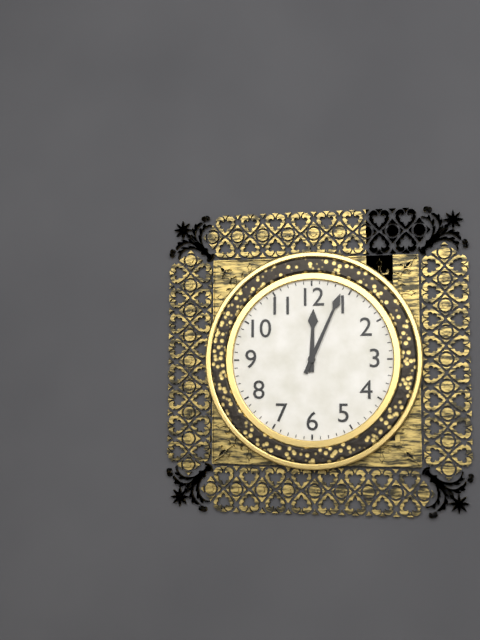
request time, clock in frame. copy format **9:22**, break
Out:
**12:04**
